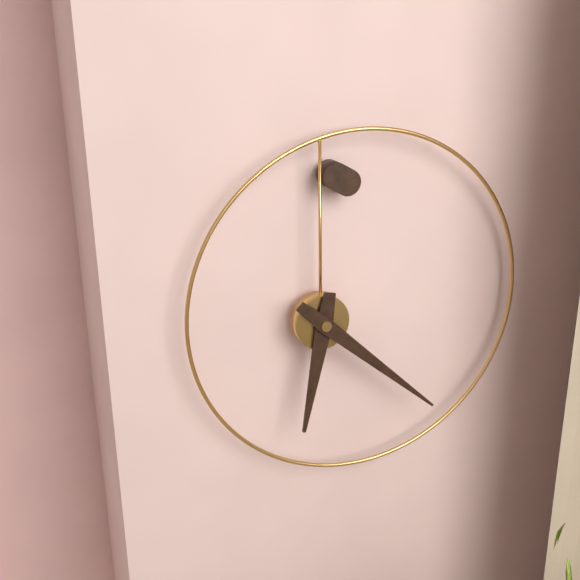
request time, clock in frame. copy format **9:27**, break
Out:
**6:22**
